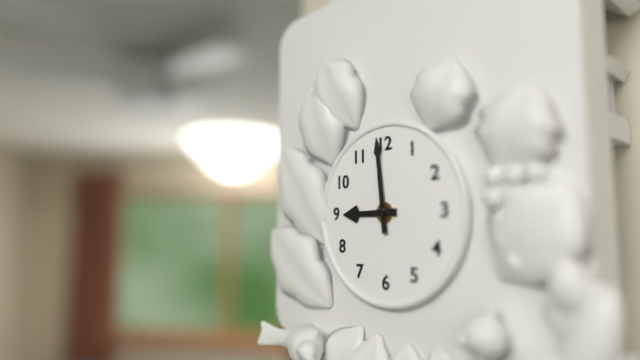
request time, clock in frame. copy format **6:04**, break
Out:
**8:59**
